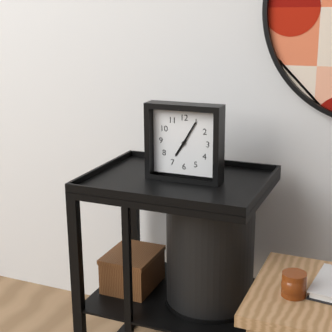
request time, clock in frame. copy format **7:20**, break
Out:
**7:05**
